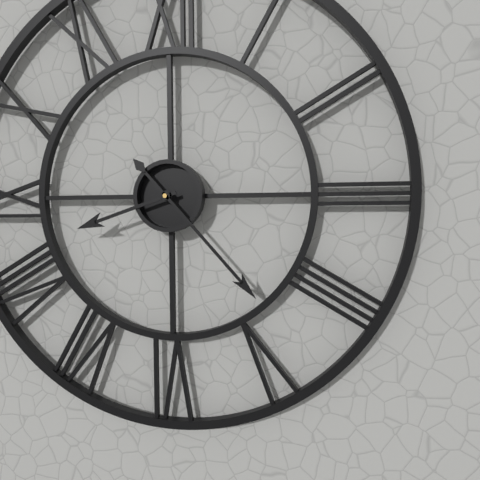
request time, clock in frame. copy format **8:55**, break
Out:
**8:23**
